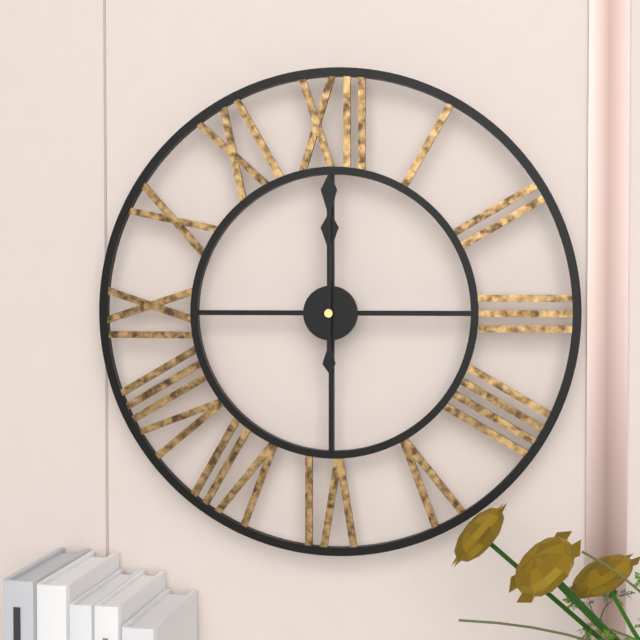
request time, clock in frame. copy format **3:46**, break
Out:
**12:00**
